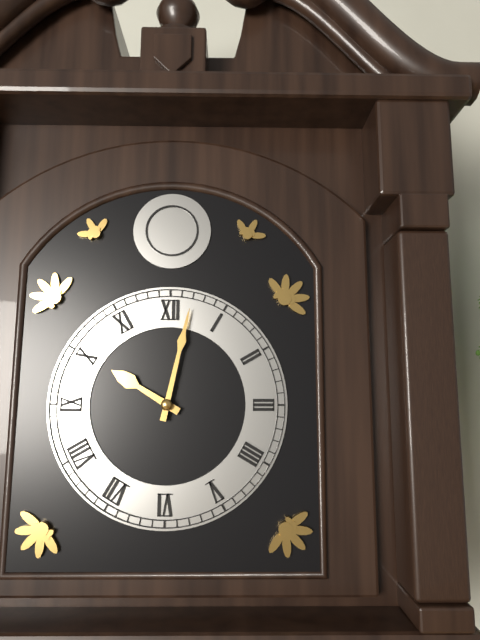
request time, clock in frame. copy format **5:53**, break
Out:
**10:02**
